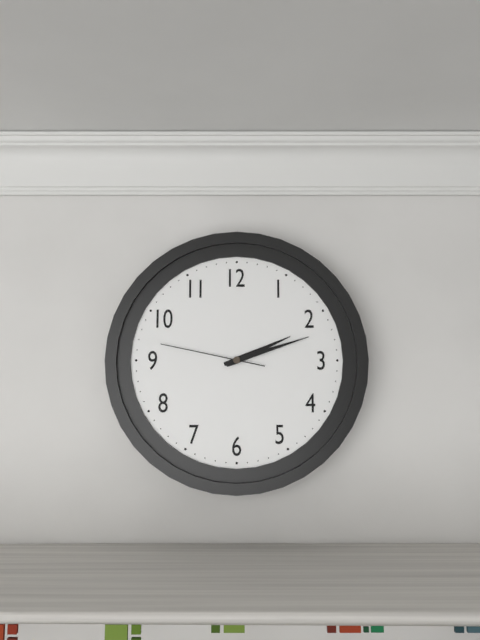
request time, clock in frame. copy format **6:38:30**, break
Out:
**2:12:47**
